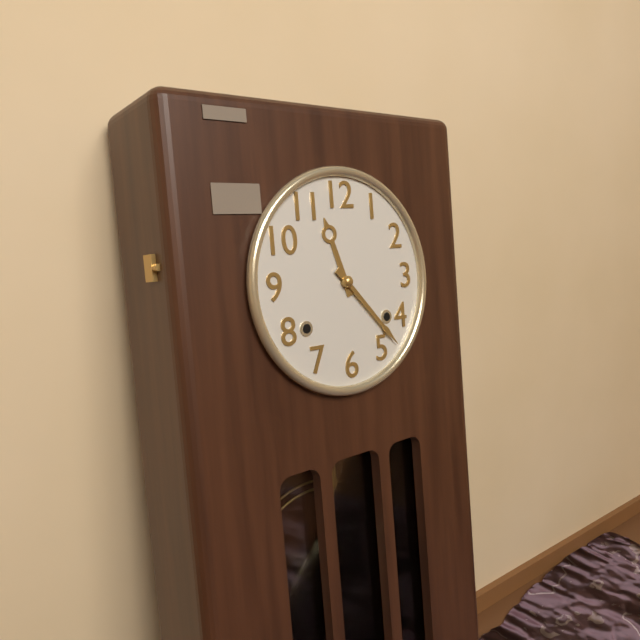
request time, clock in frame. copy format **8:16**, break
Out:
**11:23**
